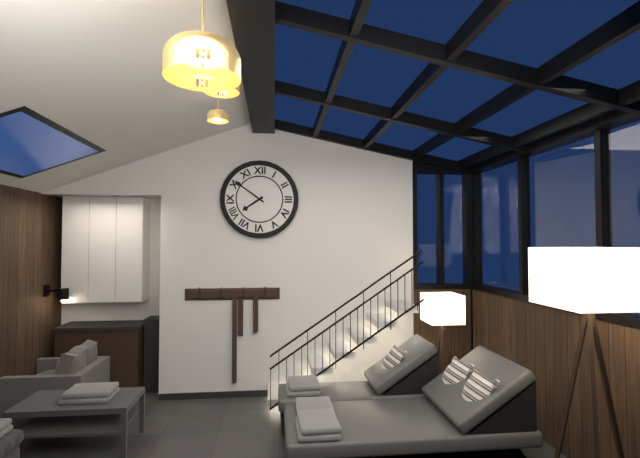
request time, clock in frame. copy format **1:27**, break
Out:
**7:51**
